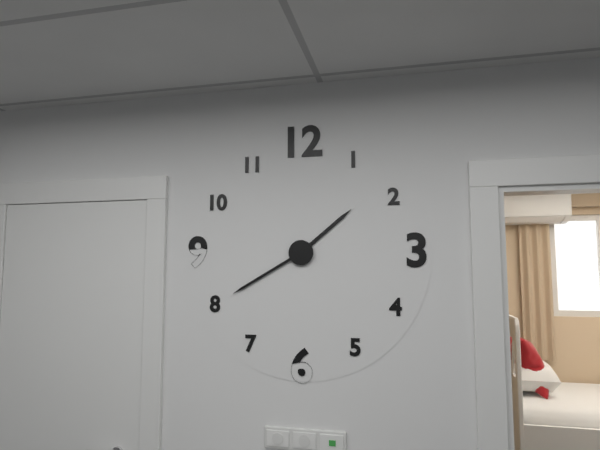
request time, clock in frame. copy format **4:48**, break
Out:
**1:40**
